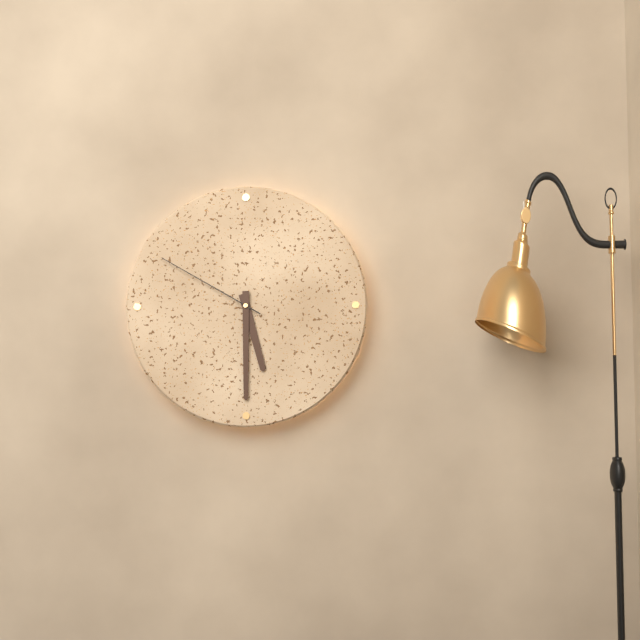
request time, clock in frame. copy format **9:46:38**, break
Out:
**5:30:50**
